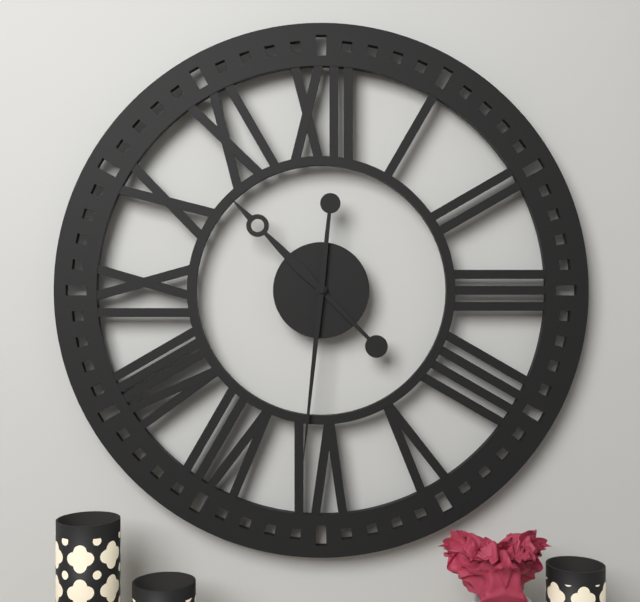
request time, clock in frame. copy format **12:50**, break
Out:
**10:31**
